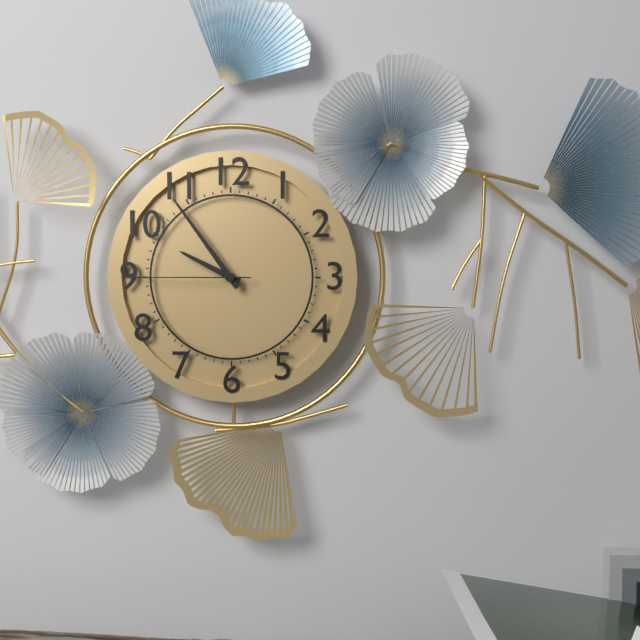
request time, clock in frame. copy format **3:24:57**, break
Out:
**9:54:45**
